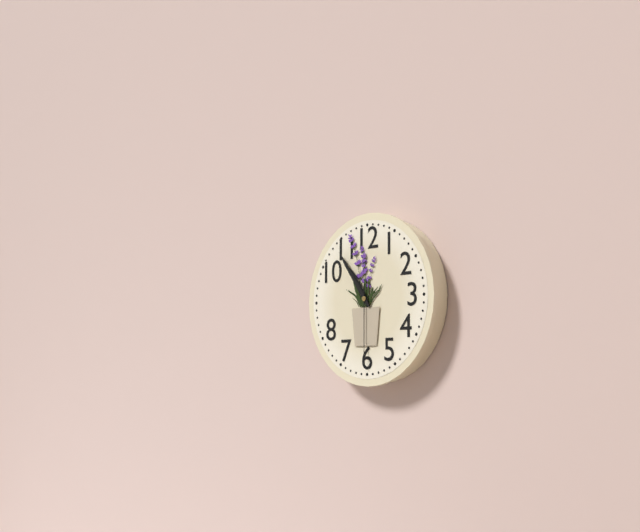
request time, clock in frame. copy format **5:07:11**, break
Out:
**10:54:30**
